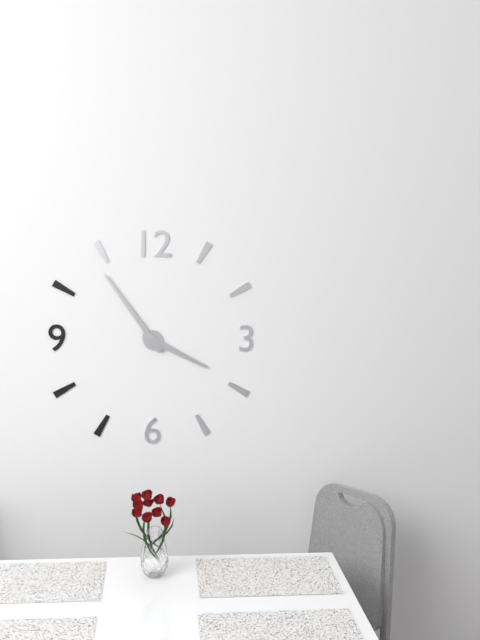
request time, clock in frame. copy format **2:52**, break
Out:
**3:54**
